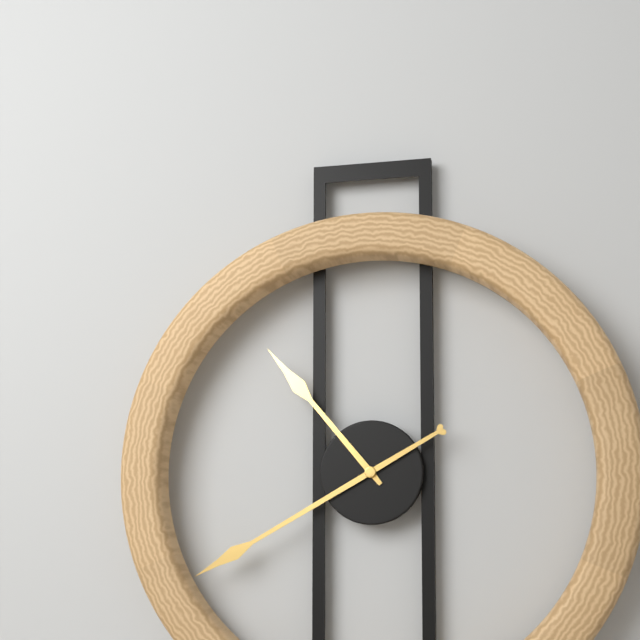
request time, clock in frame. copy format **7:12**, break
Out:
**10:40**
